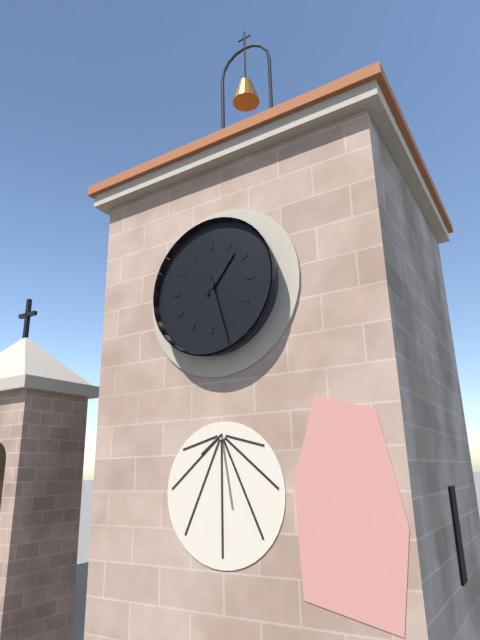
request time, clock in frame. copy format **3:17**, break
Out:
**1:27**
